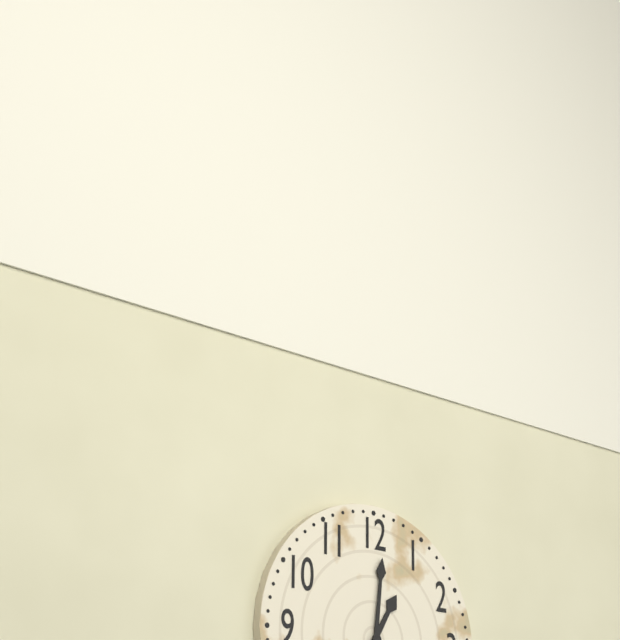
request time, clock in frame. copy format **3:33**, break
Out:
**1:01**
